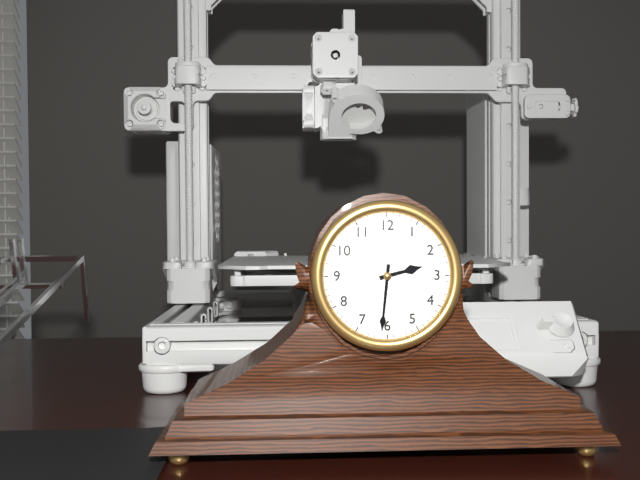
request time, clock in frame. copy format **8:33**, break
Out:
**2:31**
